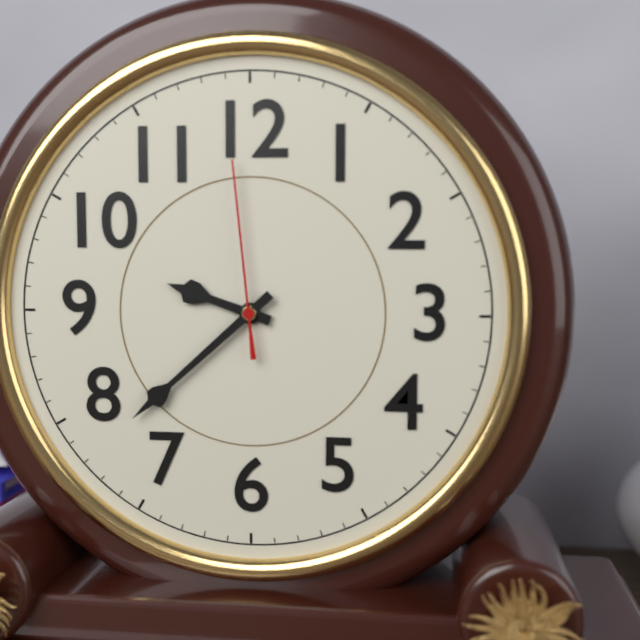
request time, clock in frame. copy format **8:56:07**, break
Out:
**9:38:59**
